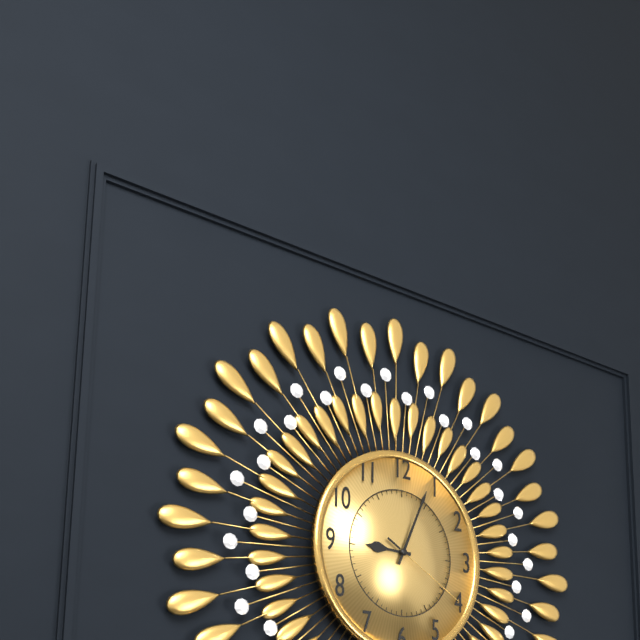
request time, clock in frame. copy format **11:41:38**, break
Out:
**9:04:20**
